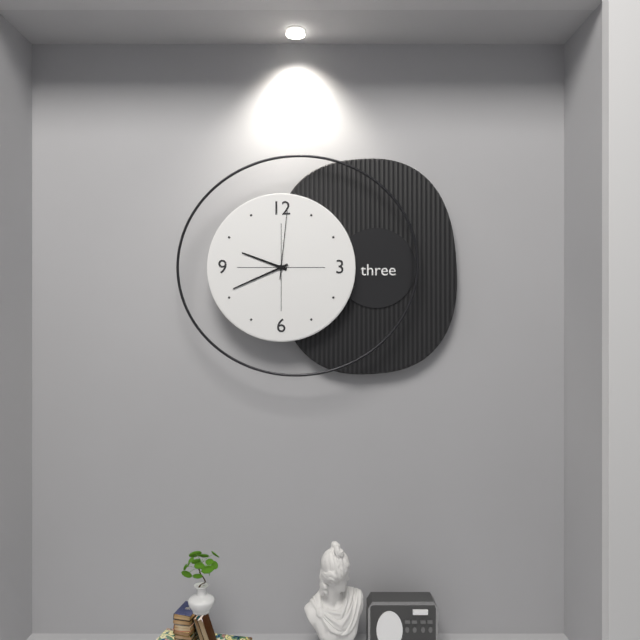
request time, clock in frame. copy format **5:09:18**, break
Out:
**9:41:01**
